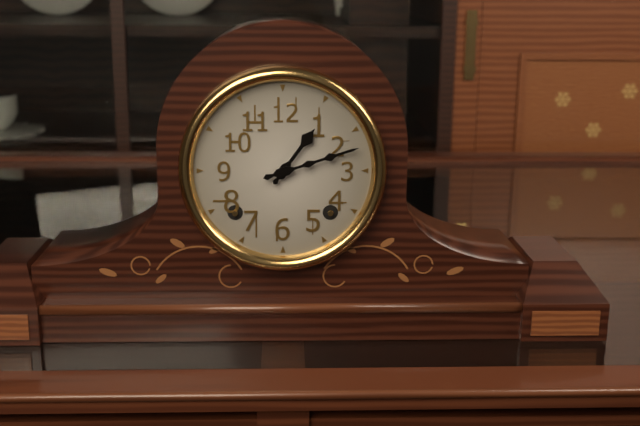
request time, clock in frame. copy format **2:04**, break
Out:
**1:12**
